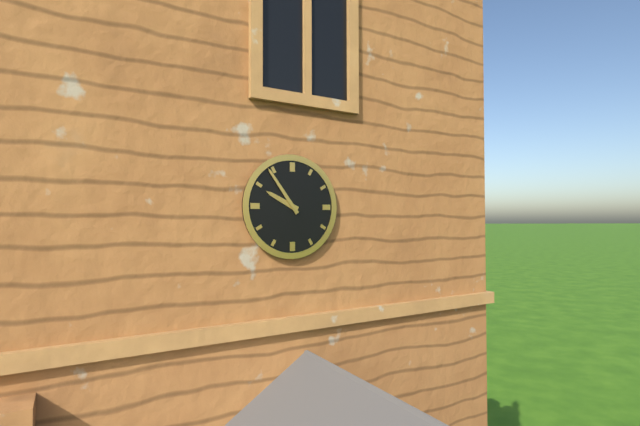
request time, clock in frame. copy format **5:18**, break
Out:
**9:54**
